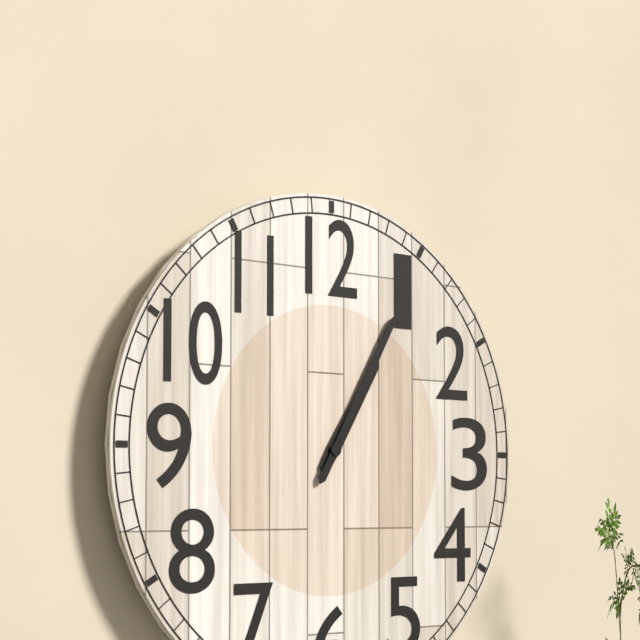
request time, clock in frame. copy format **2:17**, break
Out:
**1:05**
